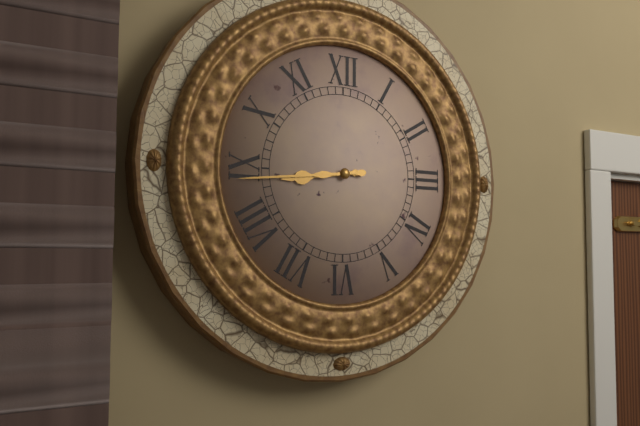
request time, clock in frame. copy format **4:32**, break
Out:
**8:44**
